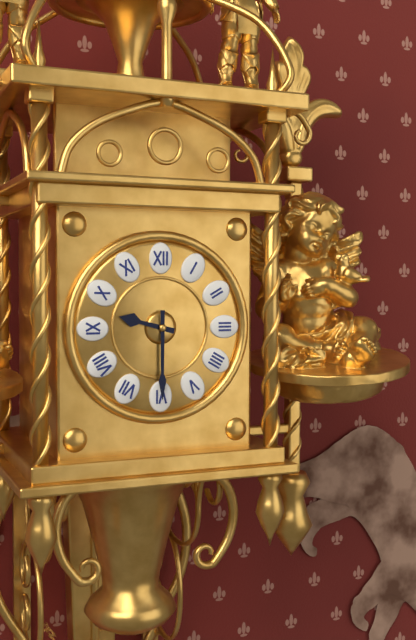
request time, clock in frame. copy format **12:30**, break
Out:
**9:30**
